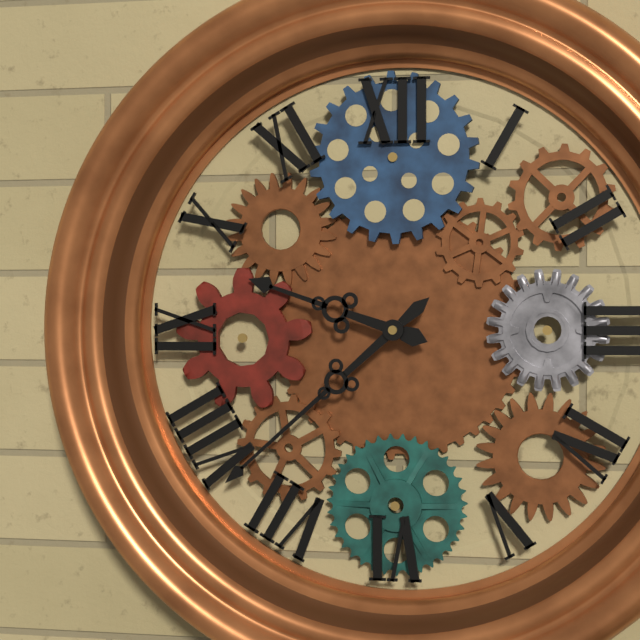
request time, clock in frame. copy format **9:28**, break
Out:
**9:38**
